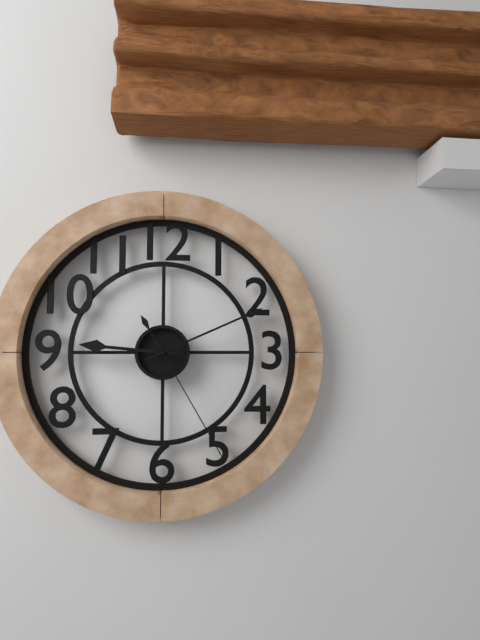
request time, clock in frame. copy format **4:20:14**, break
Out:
**9:11:25**
